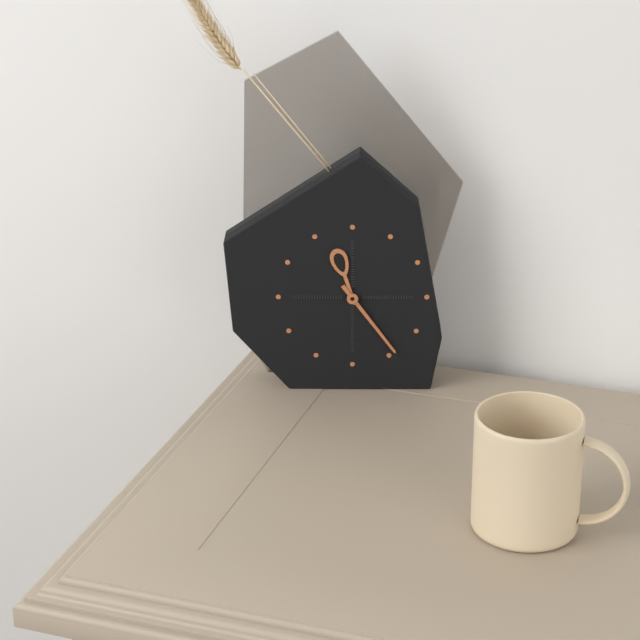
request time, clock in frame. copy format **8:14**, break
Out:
**11:24**
